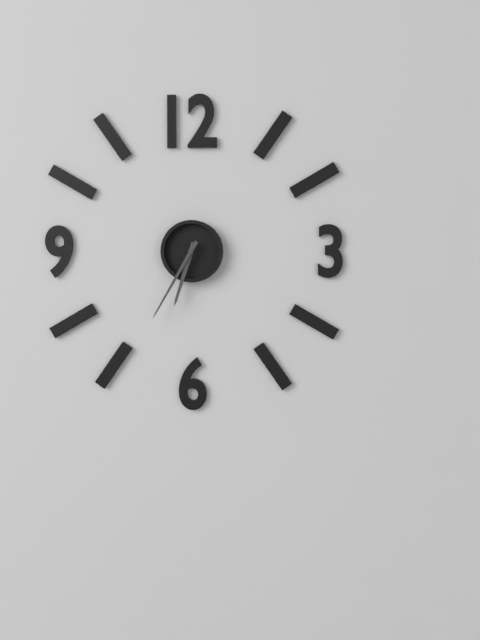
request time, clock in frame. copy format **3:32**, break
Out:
**6:35**
